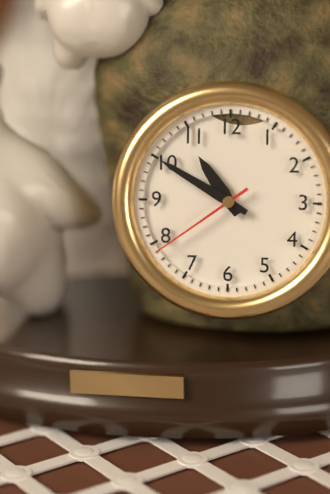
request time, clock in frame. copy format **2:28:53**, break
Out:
**10:50:39**
